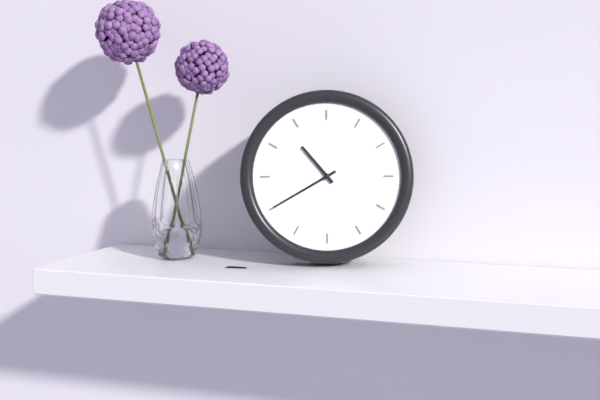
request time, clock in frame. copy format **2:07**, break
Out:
**10:40**
